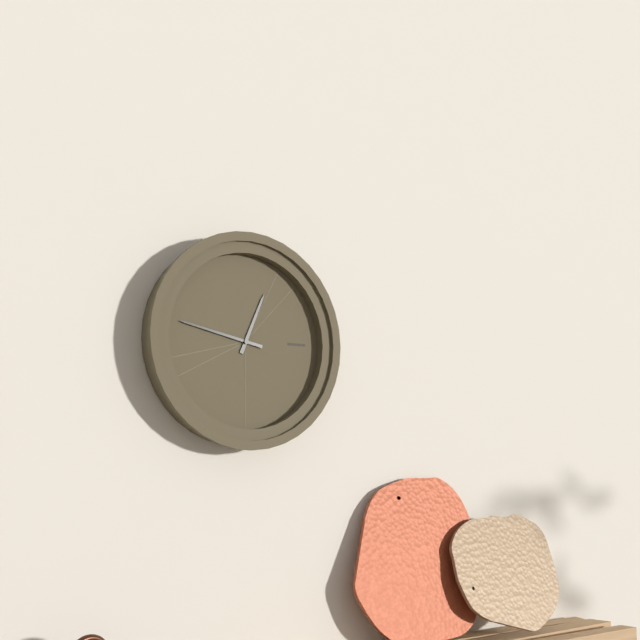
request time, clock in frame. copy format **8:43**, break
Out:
**12:47**
